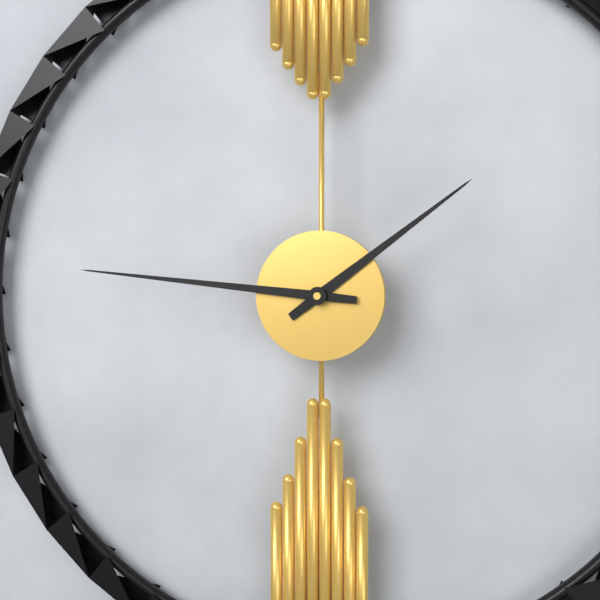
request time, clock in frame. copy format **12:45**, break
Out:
**1:46**
